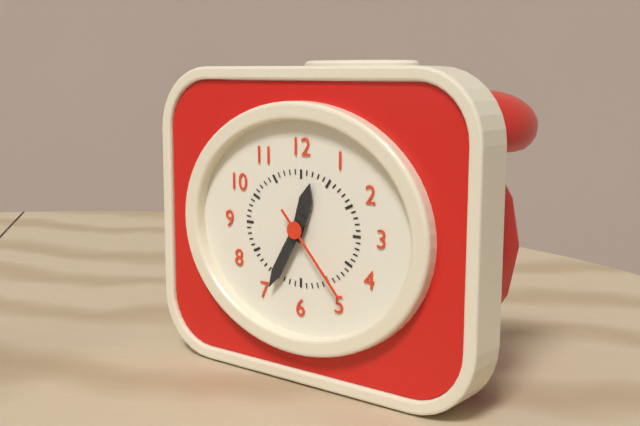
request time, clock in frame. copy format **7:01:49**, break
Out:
**12:35:23**
